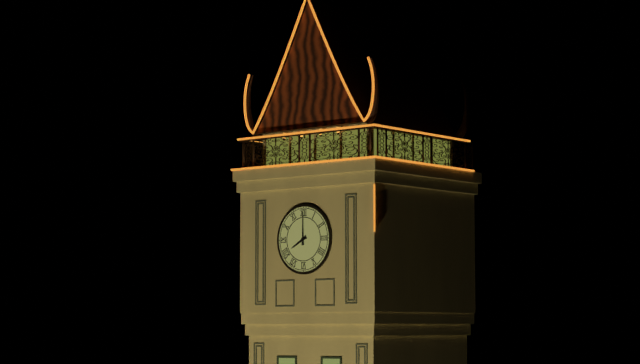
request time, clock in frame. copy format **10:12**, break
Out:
**8:00**
